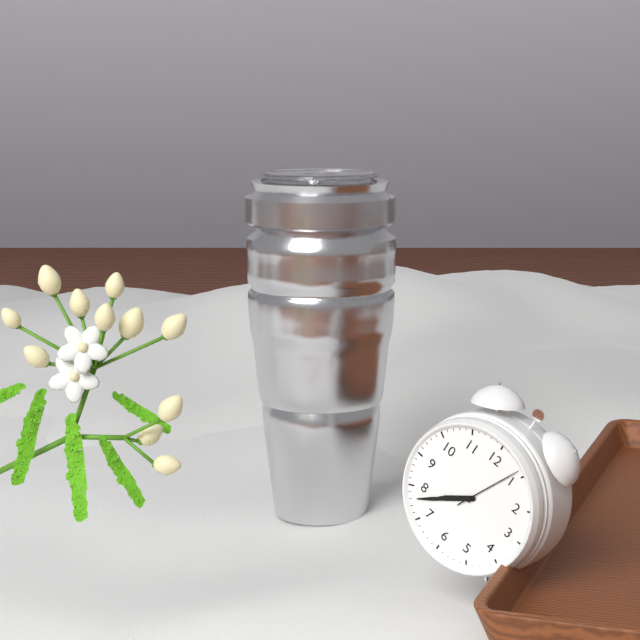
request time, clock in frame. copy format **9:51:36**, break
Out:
**7:38:04**
